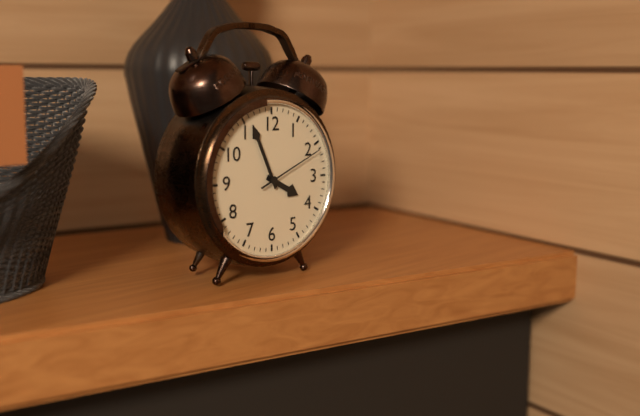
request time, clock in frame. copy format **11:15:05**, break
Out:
**3:56:11**
